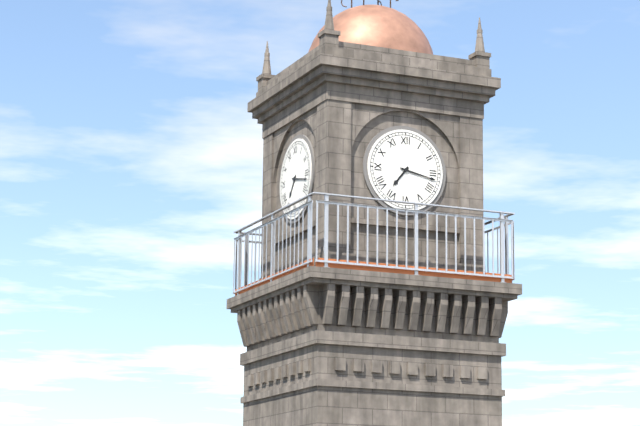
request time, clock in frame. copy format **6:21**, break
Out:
**7:17**
